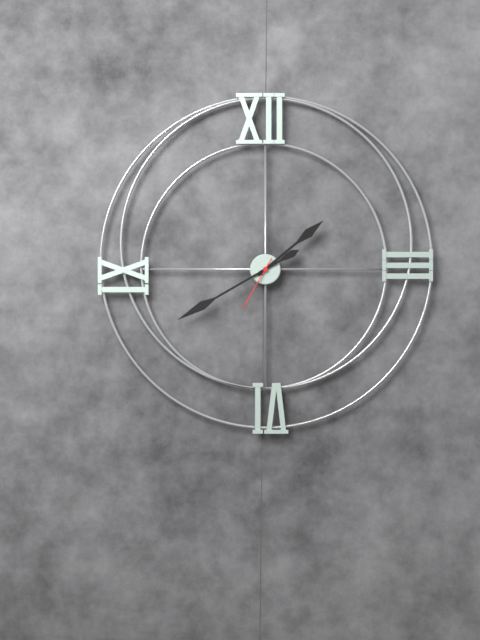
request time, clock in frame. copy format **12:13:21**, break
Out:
**1:40:35**
